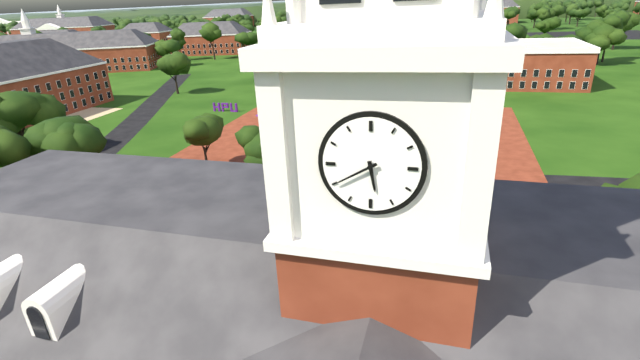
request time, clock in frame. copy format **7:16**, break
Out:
**5:40**
